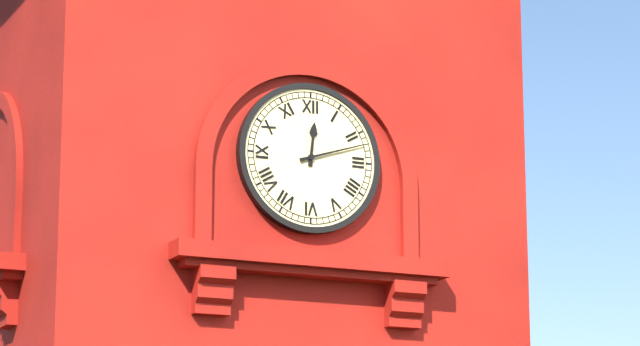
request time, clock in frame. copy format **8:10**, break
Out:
**12:12**
